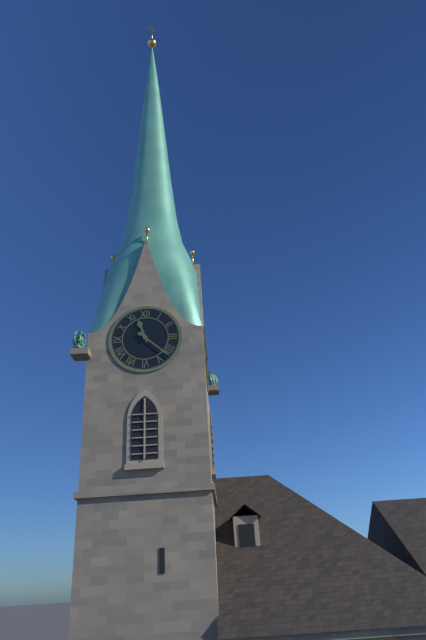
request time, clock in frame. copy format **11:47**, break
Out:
**11:22**
